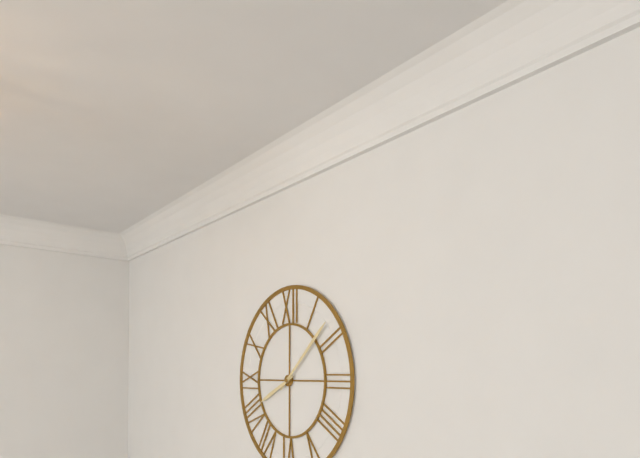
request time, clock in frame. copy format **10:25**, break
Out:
**8:08**
